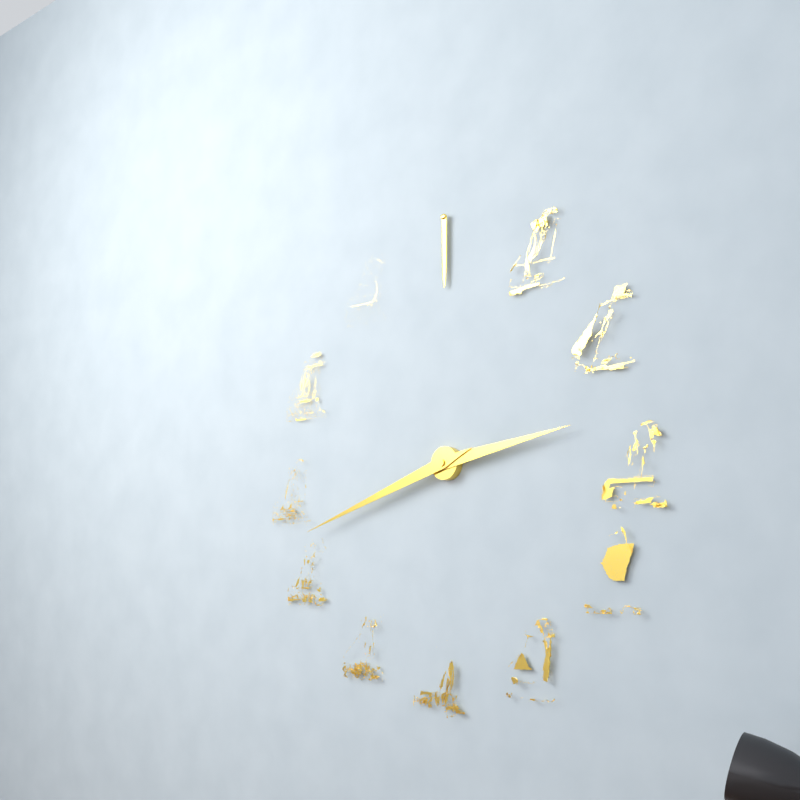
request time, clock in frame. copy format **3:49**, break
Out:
**2:42**
